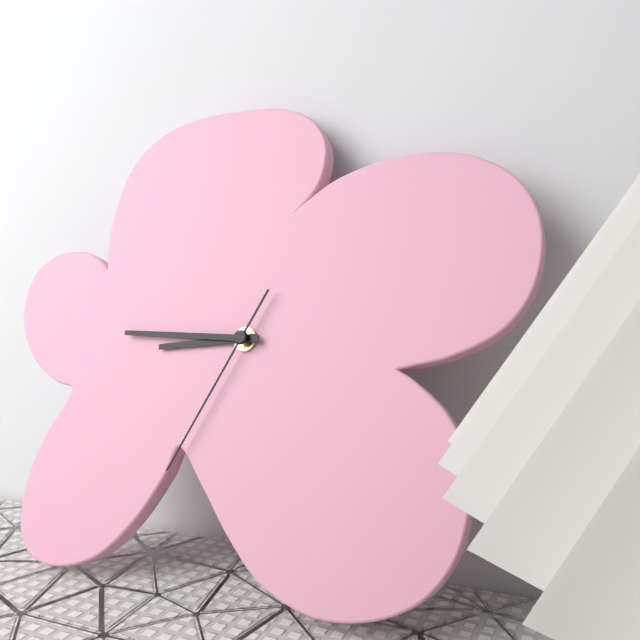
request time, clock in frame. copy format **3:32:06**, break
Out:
**8:45:34**
